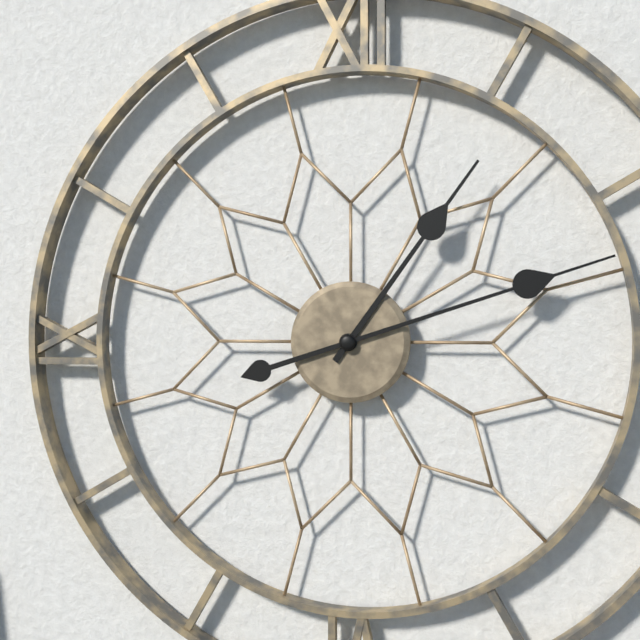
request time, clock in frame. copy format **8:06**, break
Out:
**1:12**
